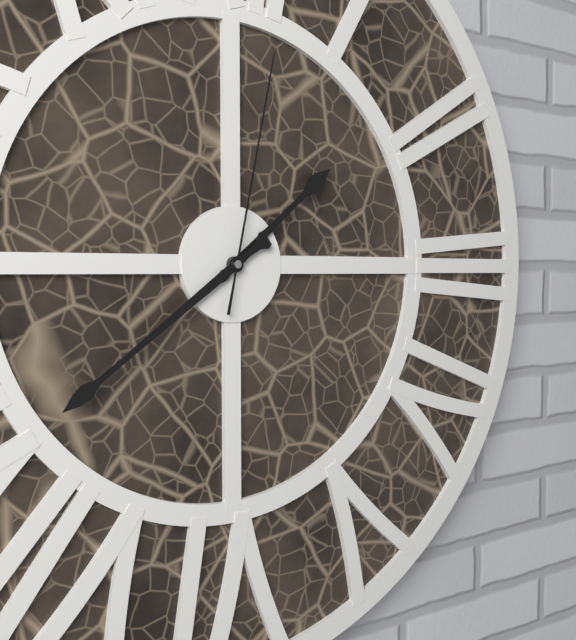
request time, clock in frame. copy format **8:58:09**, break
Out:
**1:39:02**
